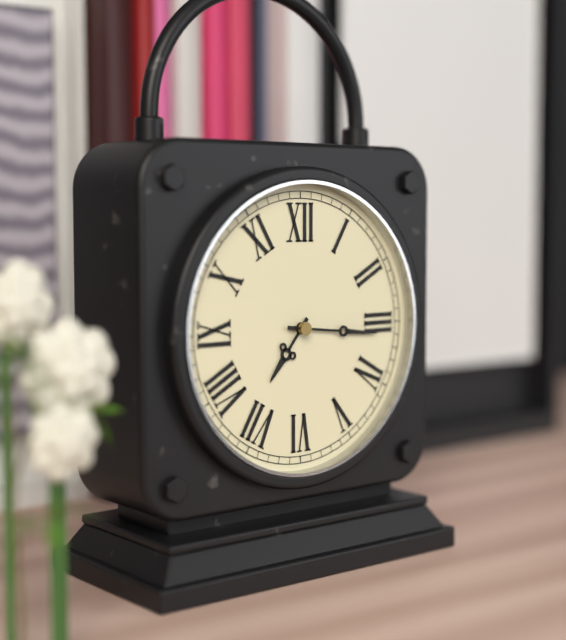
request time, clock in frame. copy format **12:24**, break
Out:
**7:16**
